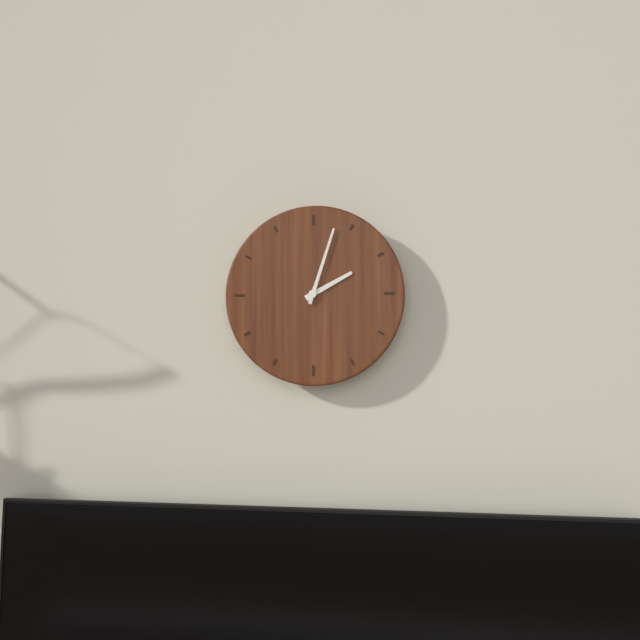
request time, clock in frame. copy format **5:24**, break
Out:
**2:03**
